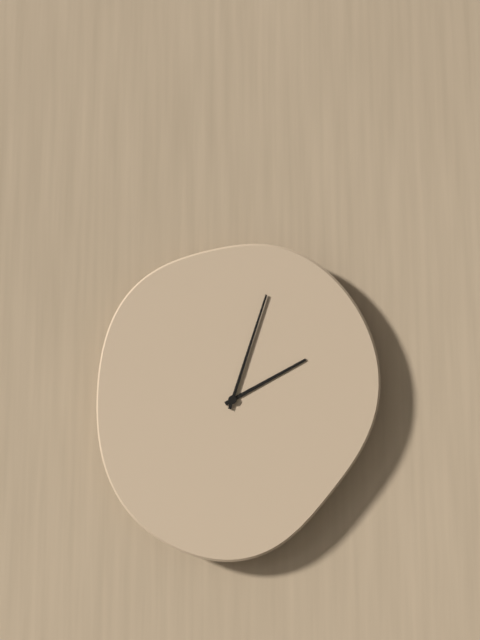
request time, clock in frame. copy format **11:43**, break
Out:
**2:03**
